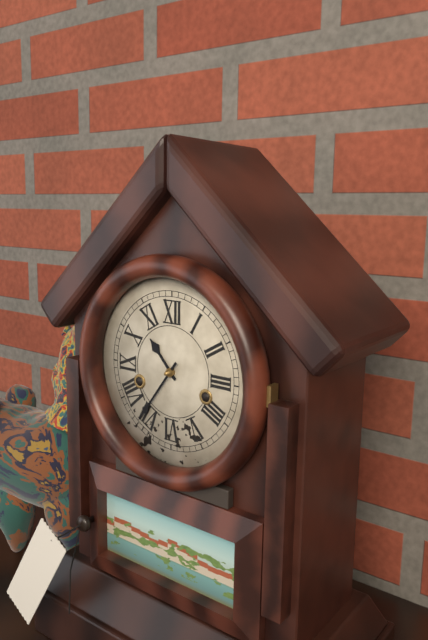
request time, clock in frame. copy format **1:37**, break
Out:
**10:36**
